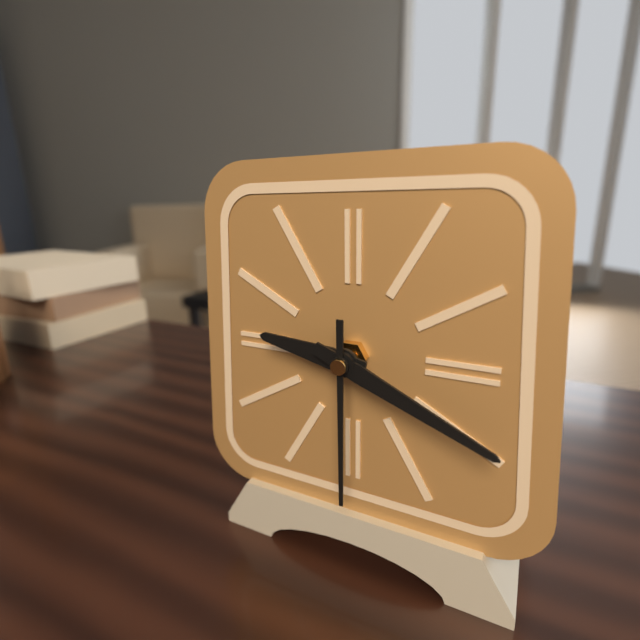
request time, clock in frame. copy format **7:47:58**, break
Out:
**9:19:30**
